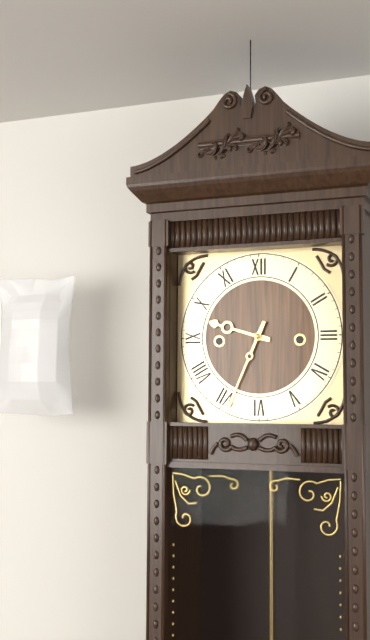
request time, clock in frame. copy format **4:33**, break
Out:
**9:34**
